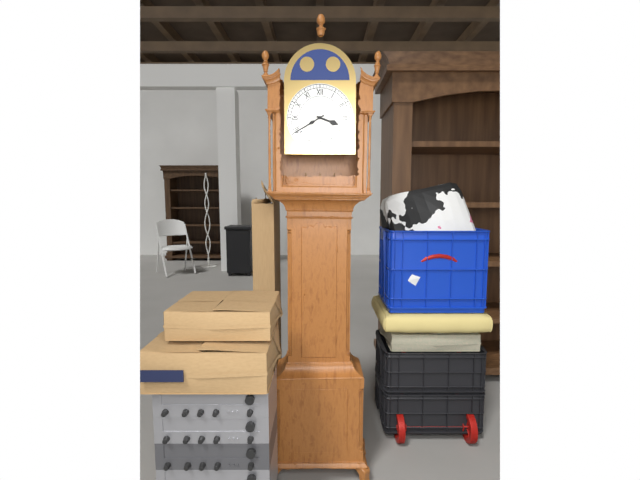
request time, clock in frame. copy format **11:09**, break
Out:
**3:40**
